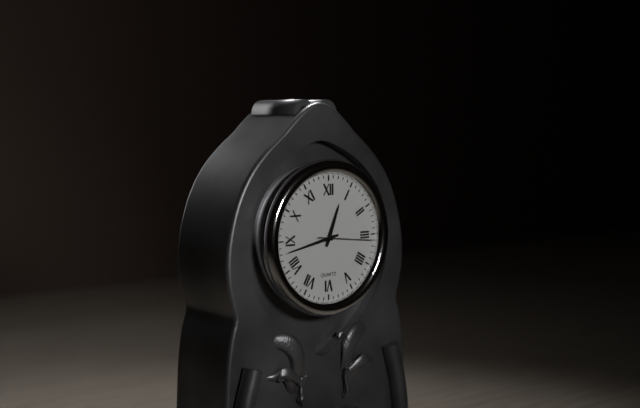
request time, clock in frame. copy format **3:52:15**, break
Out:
**12:43:16**
